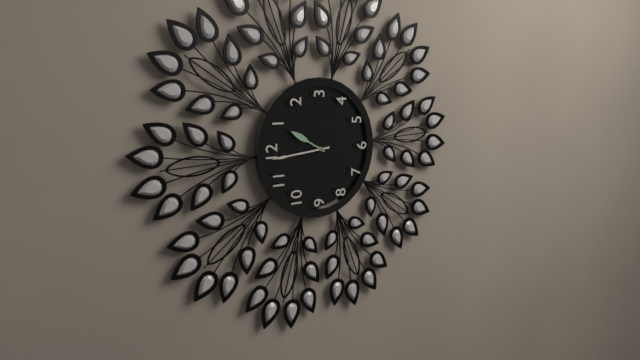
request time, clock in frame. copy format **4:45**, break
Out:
**12:59**
